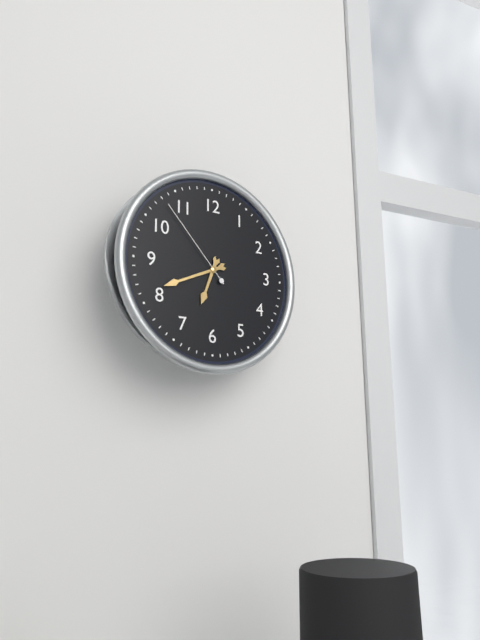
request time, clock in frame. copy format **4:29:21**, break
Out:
**6:41:53**
